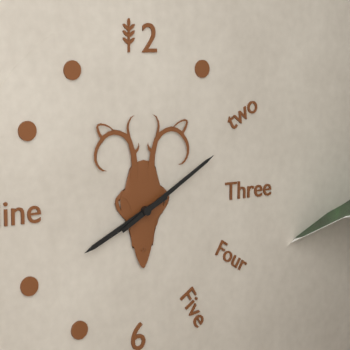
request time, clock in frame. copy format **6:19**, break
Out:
**8:10**
